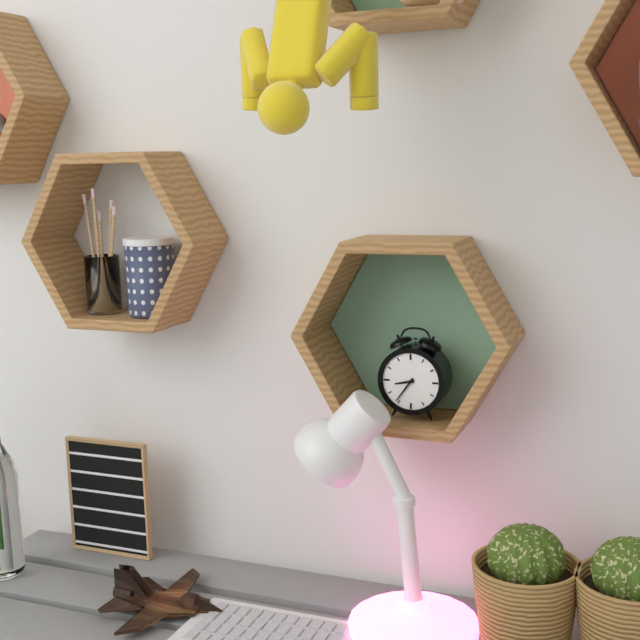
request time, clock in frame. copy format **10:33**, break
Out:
**8:36**
